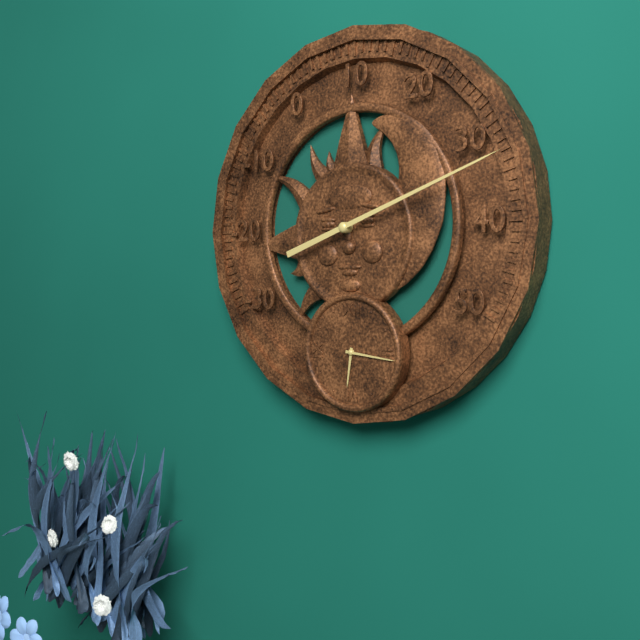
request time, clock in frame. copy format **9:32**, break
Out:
**6:16**
